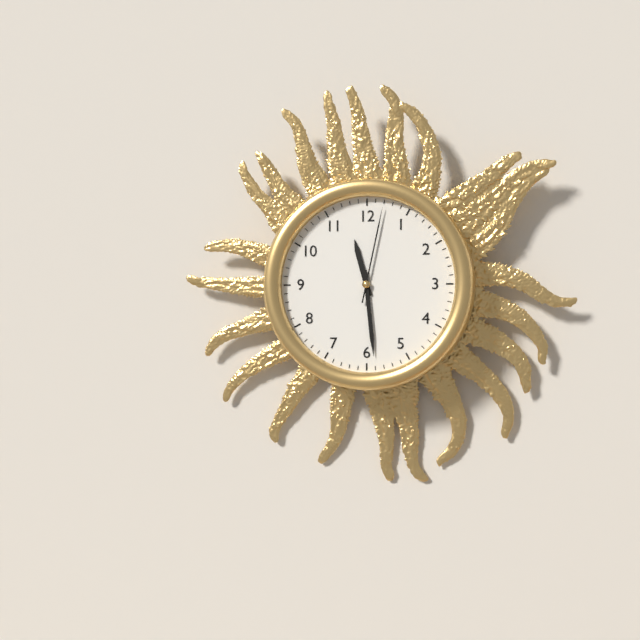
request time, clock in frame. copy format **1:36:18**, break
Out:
**11:29:02**
